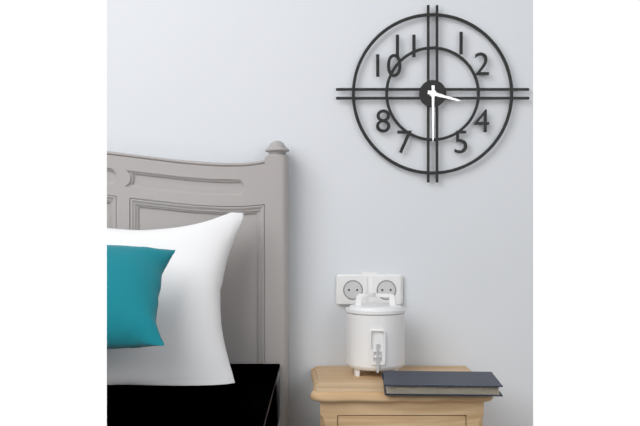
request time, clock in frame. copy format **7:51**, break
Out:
**3:30**
